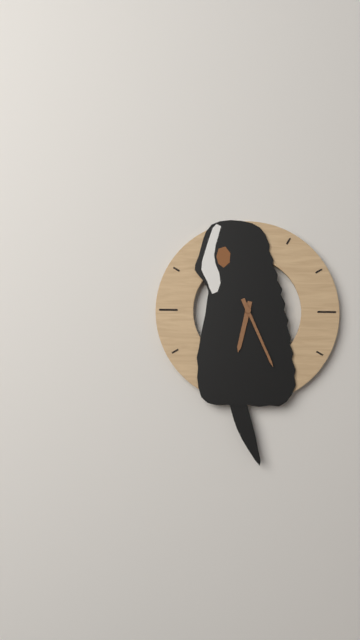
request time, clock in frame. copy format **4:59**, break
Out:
**6:26**
